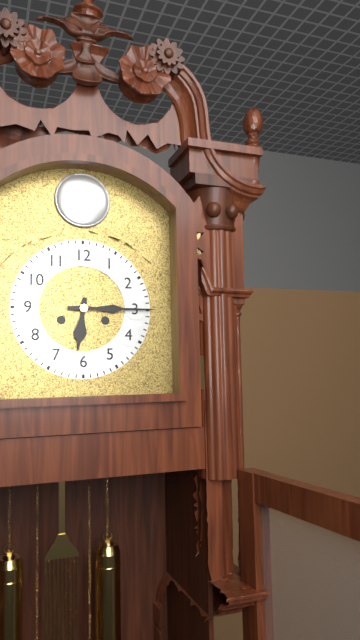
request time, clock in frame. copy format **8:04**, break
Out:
**6:15**
